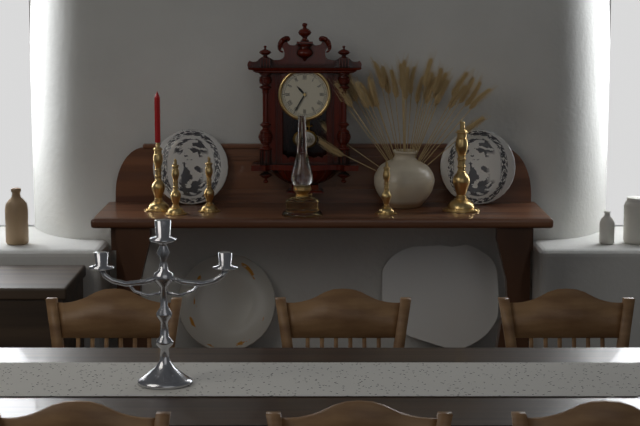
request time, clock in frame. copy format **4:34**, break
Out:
**10:35**
